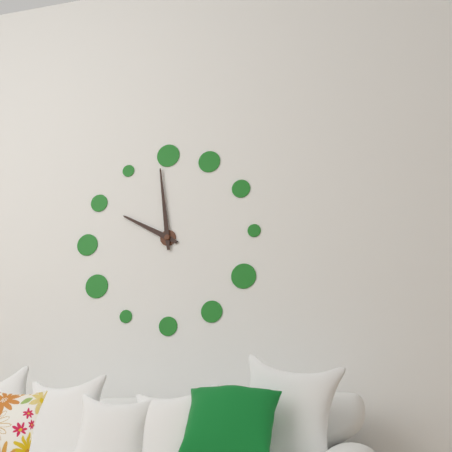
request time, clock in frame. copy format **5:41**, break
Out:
**9:59**
